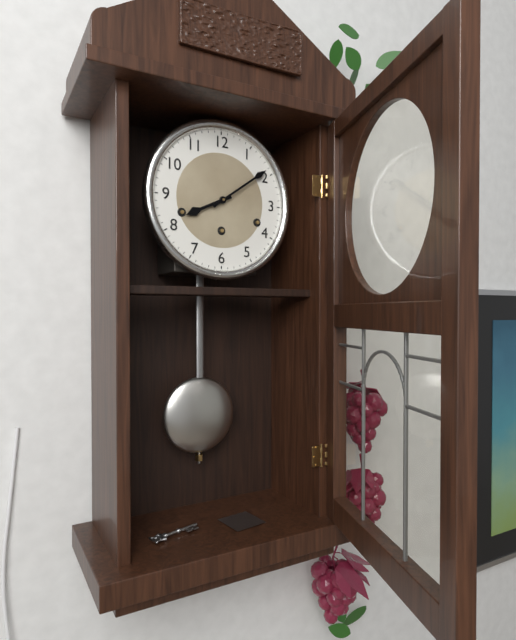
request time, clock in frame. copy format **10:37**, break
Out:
**8:09**
